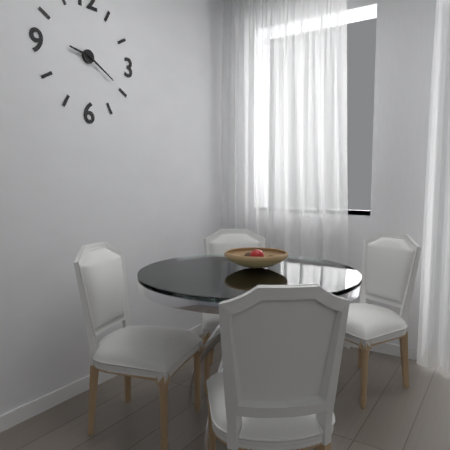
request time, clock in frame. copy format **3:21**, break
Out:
**9:20**
